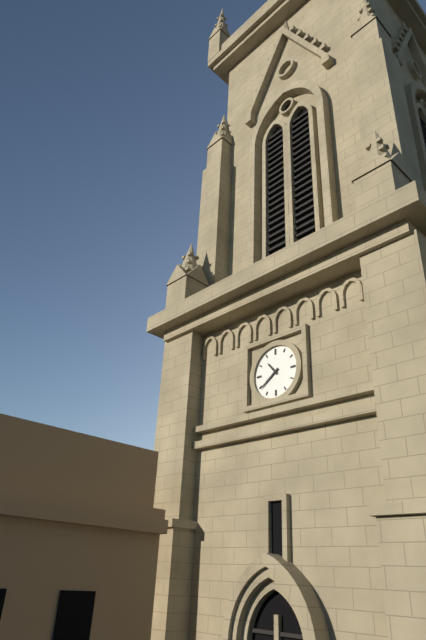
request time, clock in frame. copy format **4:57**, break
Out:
**10:39**
